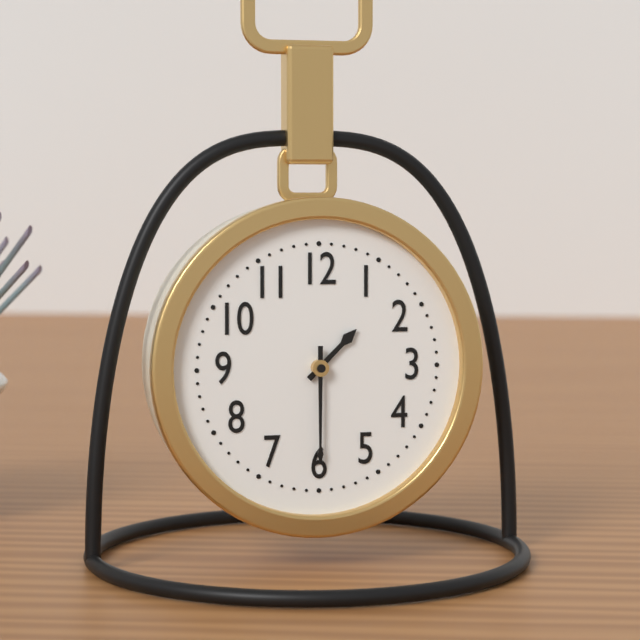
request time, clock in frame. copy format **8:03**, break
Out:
**1:30**
